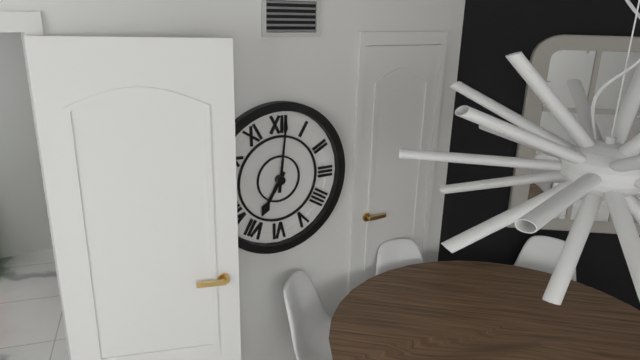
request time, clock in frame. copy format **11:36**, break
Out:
**7:01**
